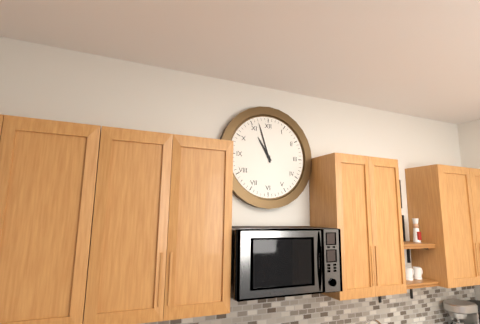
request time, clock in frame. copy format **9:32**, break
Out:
**10:57**
